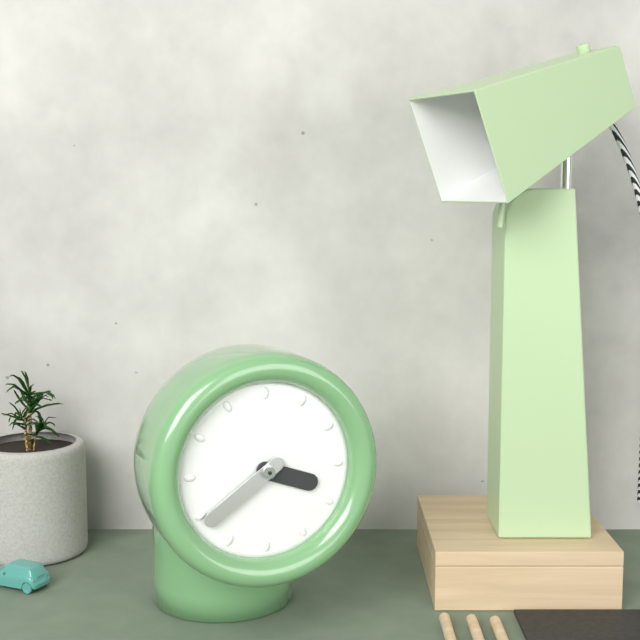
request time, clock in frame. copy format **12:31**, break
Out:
**3:39**
